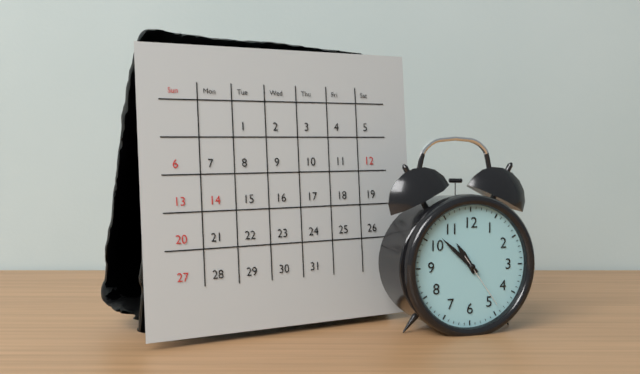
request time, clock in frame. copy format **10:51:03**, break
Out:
**10:52:24**
